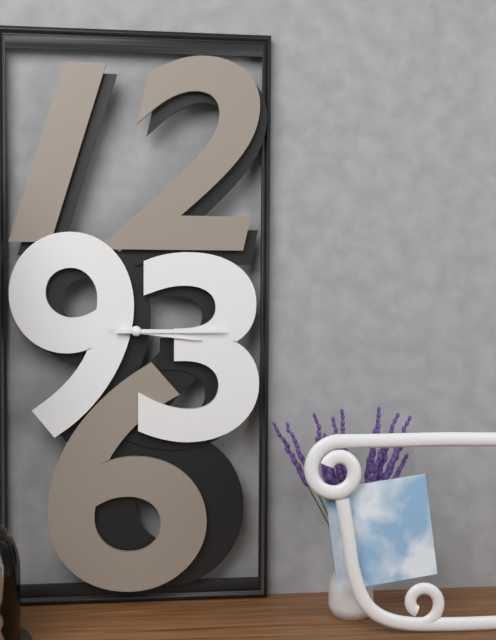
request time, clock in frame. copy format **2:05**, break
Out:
**3:15**
